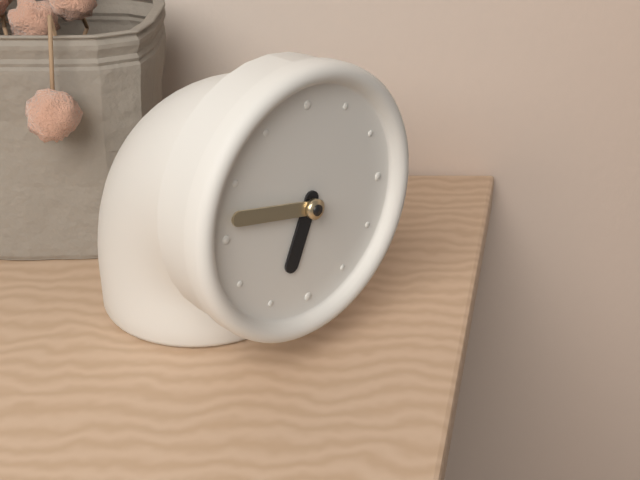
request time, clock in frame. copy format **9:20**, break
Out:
**6:47**
